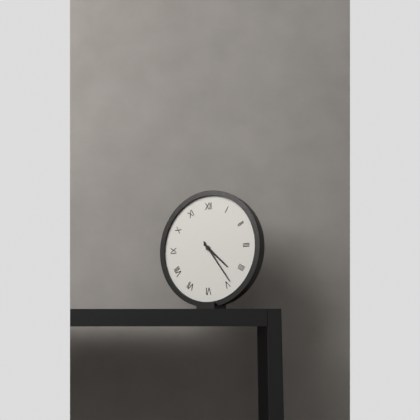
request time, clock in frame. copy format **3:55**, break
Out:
**4:24**
